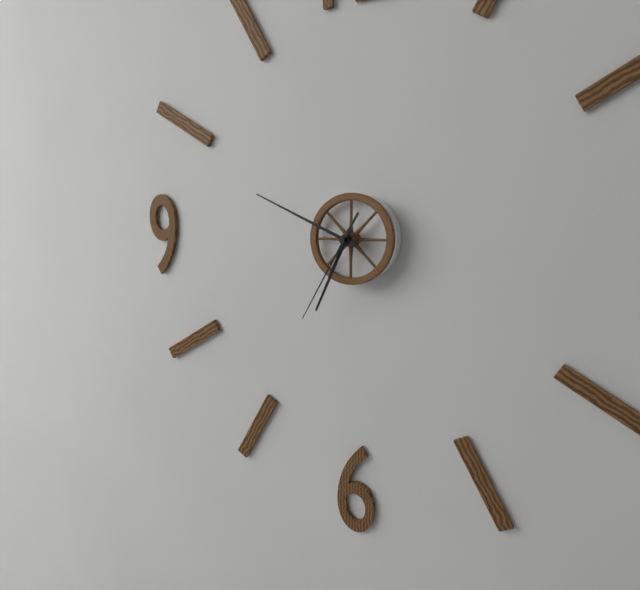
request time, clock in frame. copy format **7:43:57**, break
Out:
**6:49:35**
